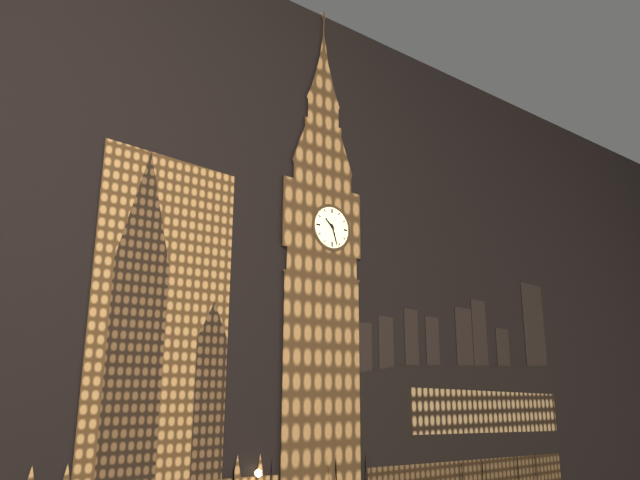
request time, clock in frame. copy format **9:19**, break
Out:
**10:27**
